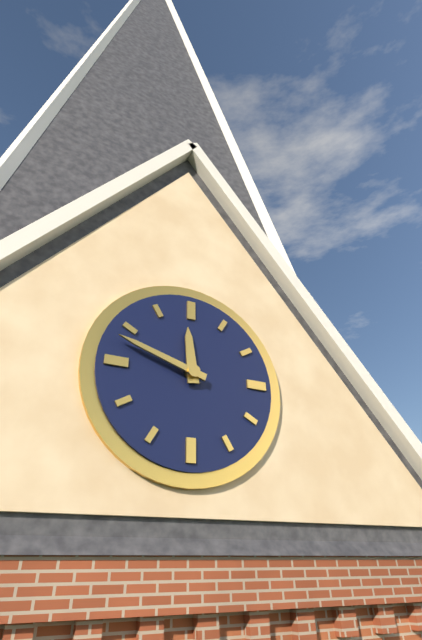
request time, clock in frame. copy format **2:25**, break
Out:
**11:48**
